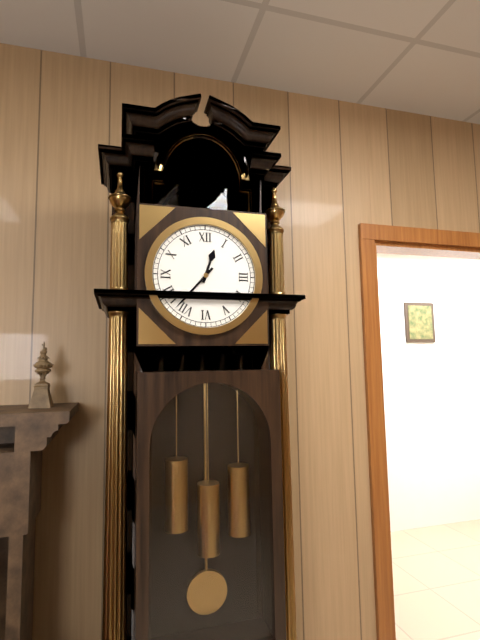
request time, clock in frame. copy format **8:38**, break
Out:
**12:37**
